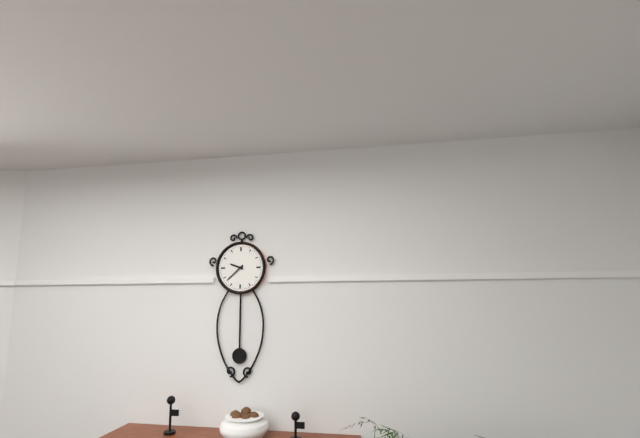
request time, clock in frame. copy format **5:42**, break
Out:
**9:38**
